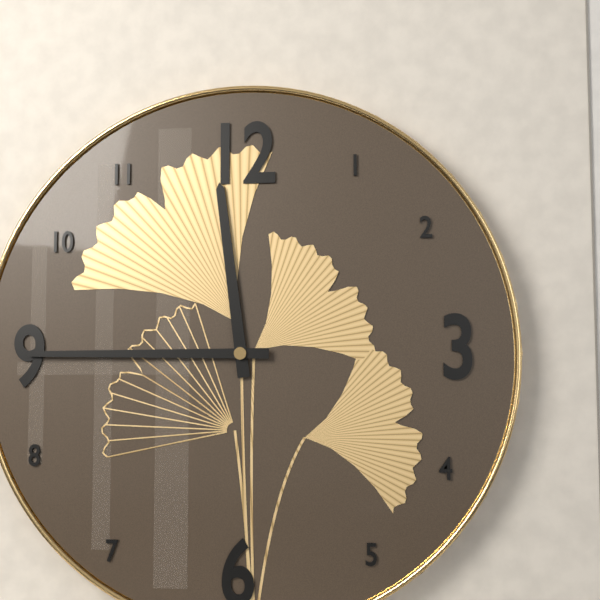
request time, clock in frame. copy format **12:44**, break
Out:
**11:45**
